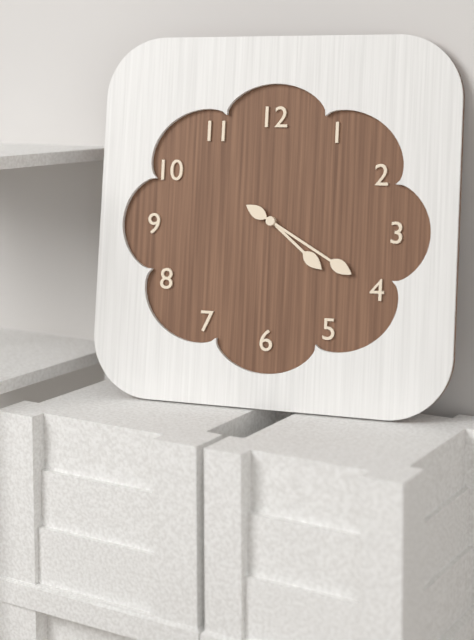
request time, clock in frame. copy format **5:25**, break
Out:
**4:20**
